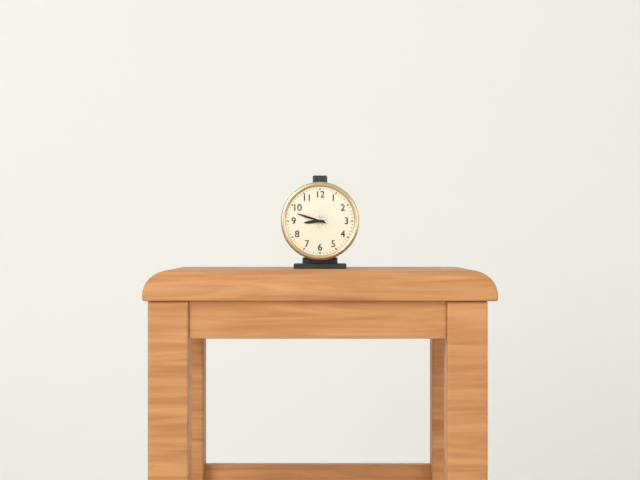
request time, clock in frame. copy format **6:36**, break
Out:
**8:48**
